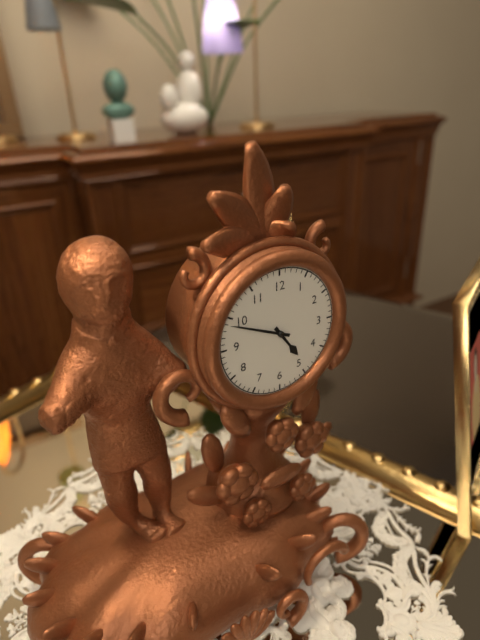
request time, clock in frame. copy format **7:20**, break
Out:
**4:49**
